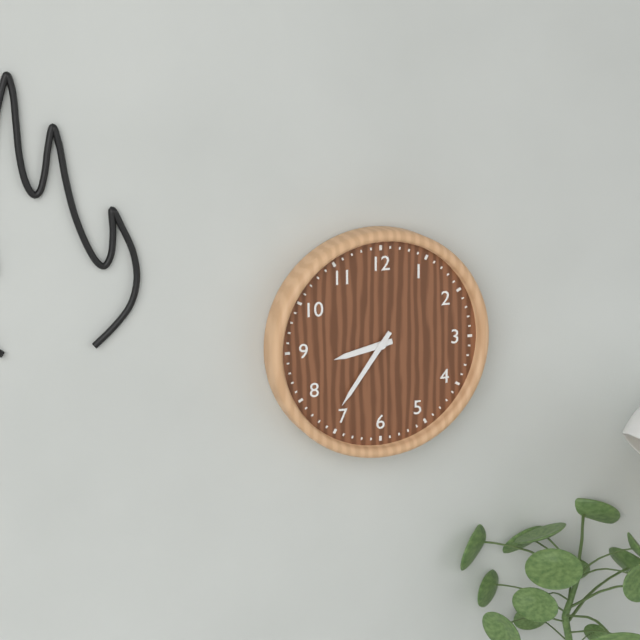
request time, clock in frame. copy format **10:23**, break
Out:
**8:36**
